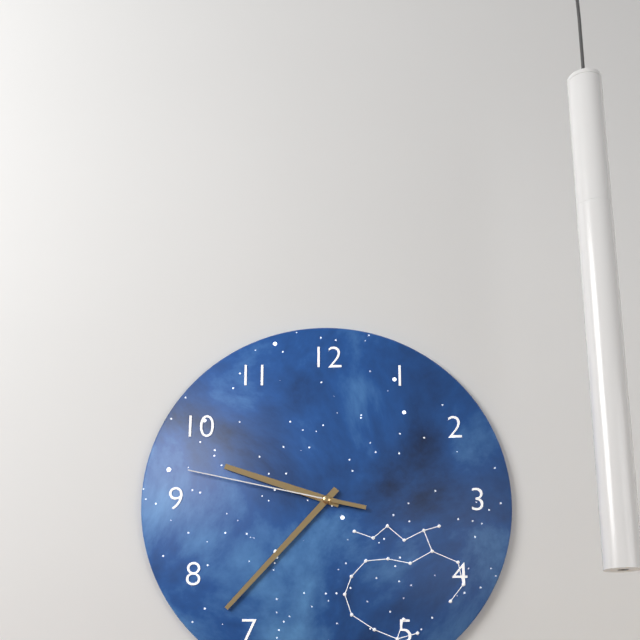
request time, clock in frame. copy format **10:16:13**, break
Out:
**9:37:47**
